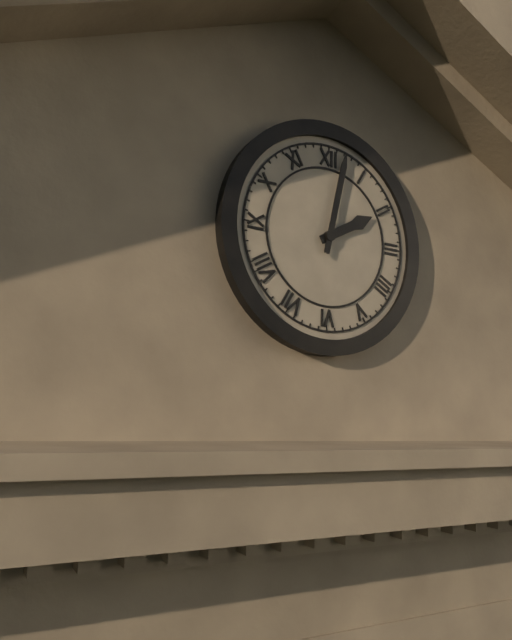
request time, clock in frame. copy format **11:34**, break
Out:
**2:02**
